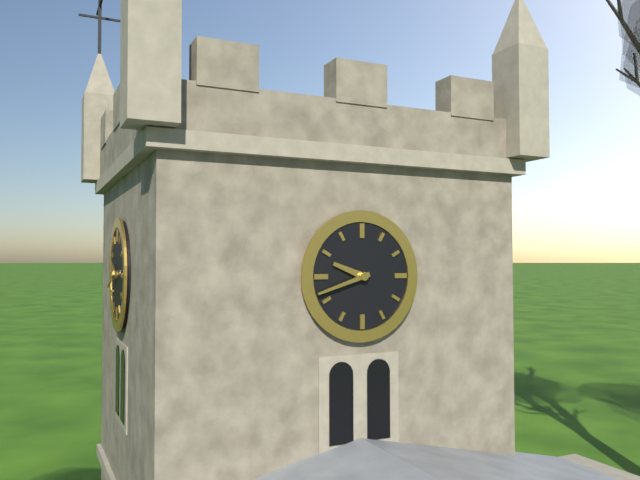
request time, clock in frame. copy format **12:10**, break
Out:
**9:42**
